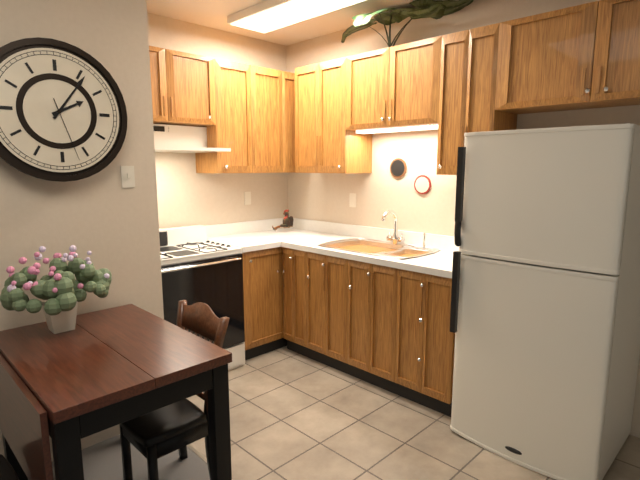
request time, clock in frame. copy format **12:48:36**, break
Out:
**2:06:27**
